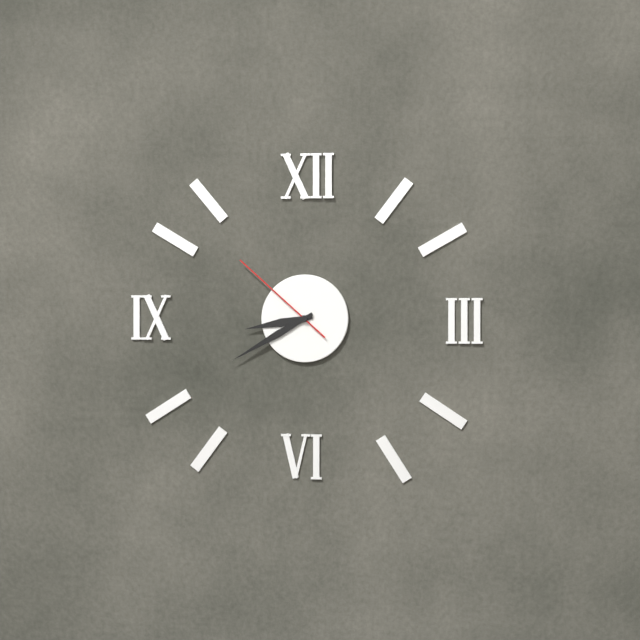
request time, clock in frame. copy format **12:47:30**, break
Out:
**8:40:52**
